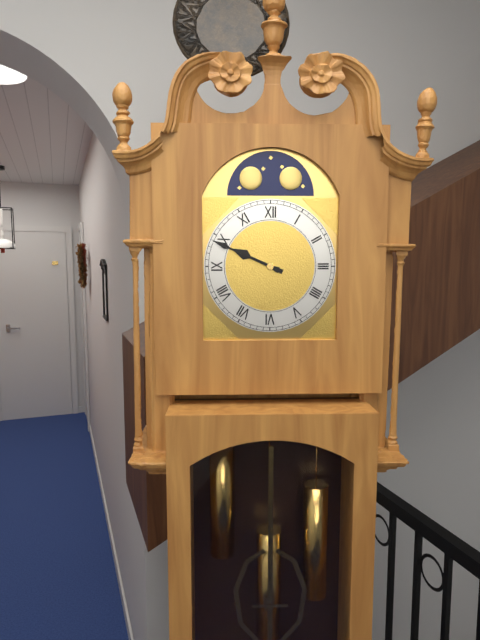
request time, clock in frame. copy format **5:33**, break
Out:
**9:49**
